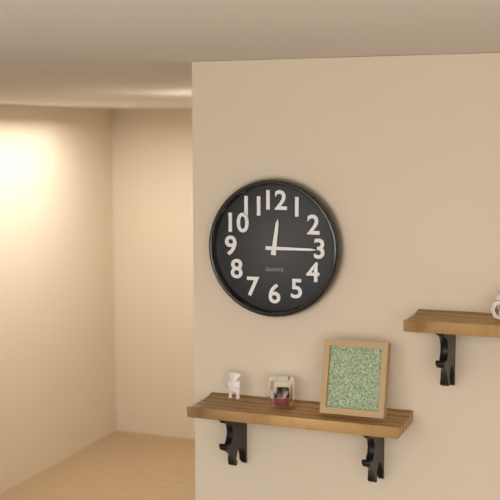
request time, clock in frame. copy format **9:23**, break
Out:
**12:15**
